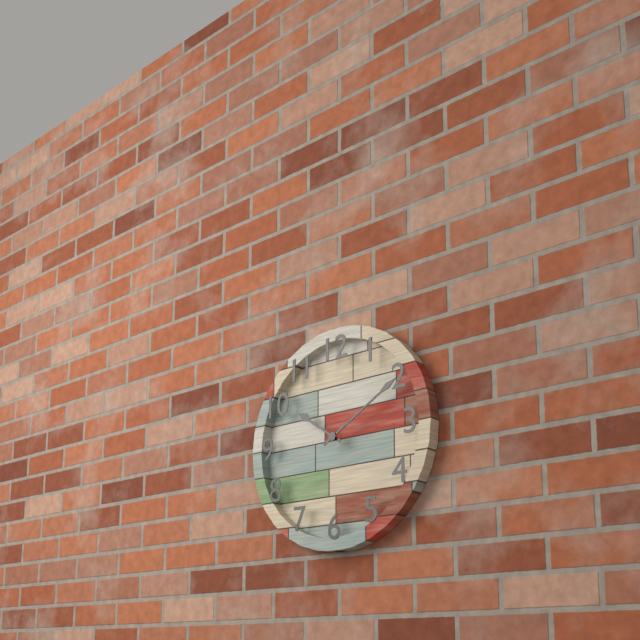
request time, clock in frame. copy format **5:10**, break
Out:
**10:10**
